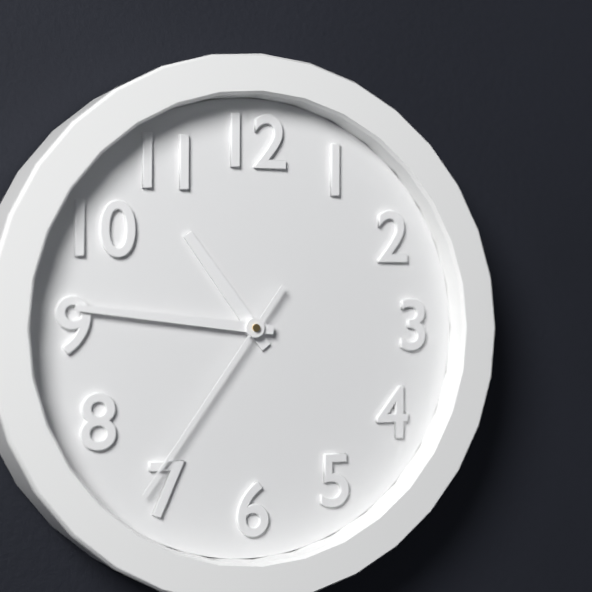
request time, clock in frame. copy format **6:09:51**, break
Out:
**10:46:36**
